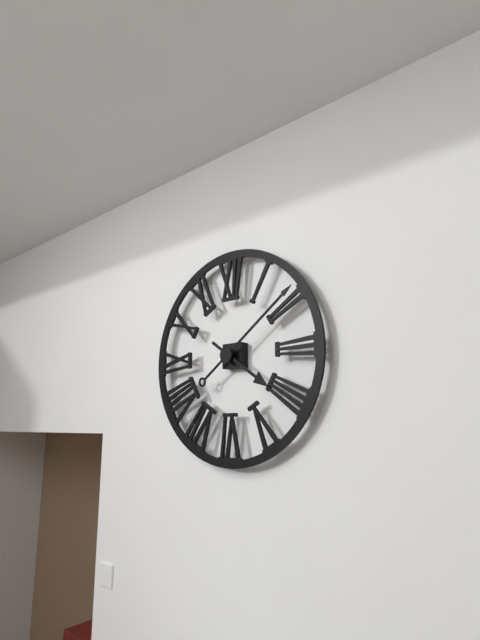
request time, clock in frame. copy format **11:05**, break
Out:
**4:09**
